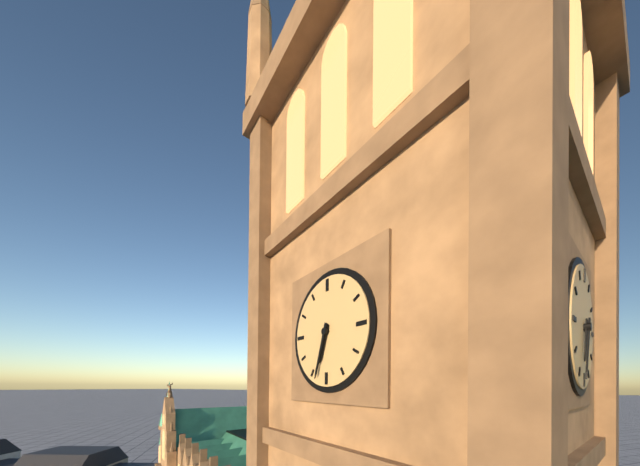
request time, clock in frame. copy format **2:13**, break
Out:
**6:33**
